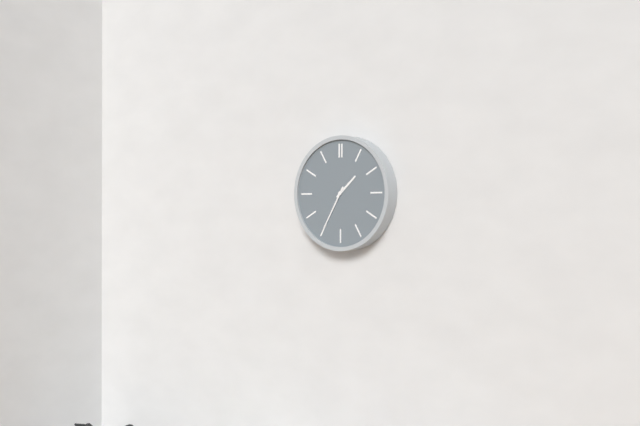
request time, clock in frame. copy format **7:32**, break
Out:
**1:35**
